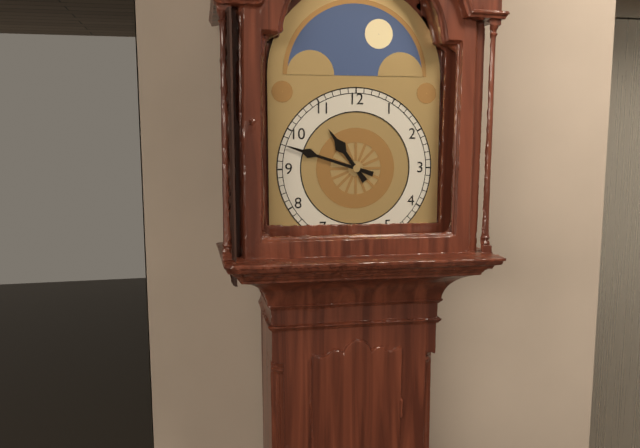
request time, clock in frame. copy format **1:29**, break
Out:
**10:48**
